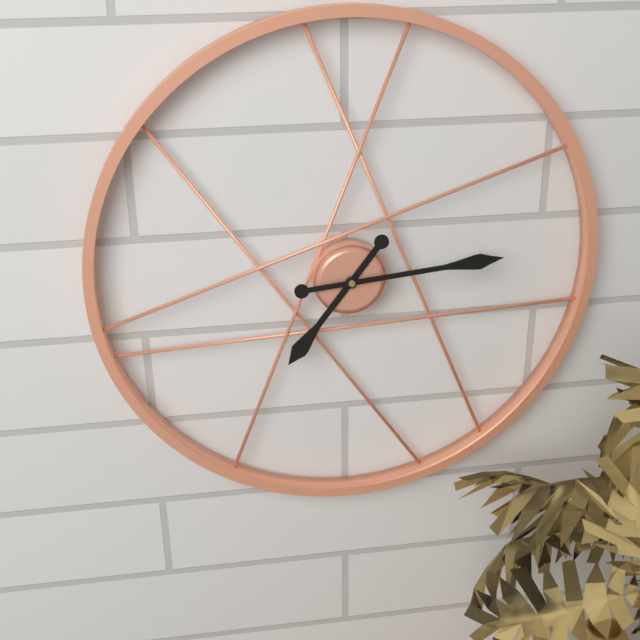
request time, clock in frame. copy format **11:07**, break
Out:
**7:14**
